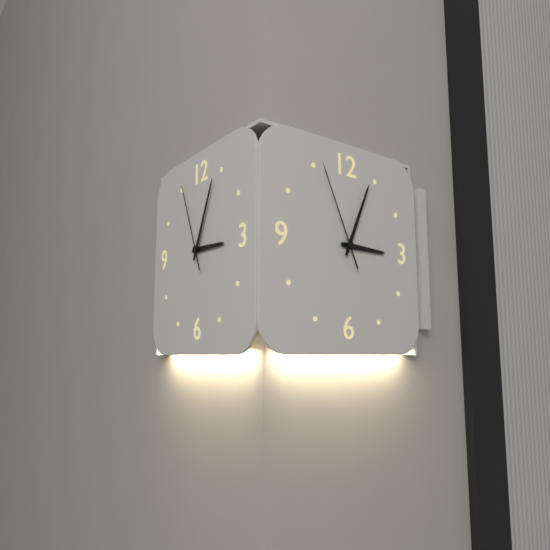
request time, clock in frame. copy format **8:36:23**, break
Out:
**3:04:56**
